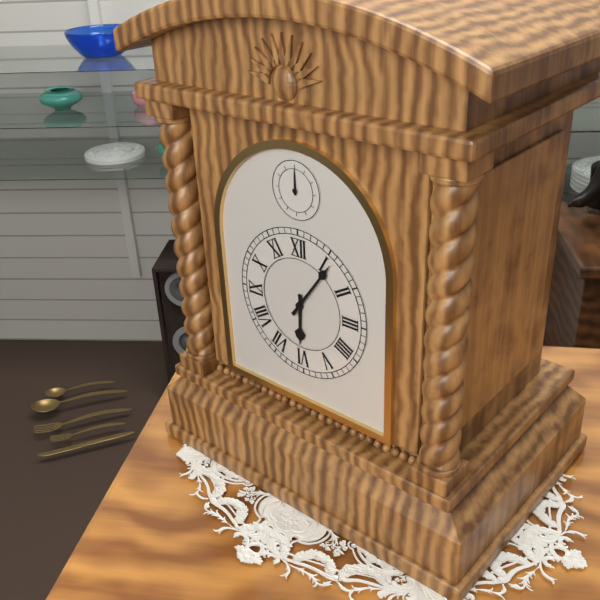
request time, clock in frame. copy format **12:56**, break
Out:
**6:06**
